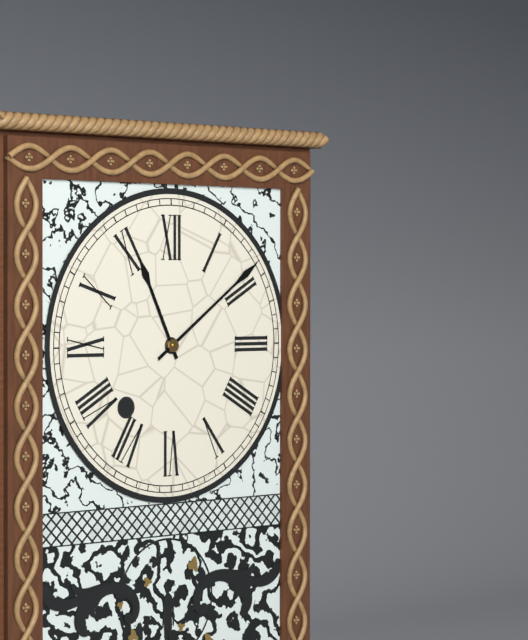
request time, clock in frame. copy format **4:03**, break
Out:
**11:09**
